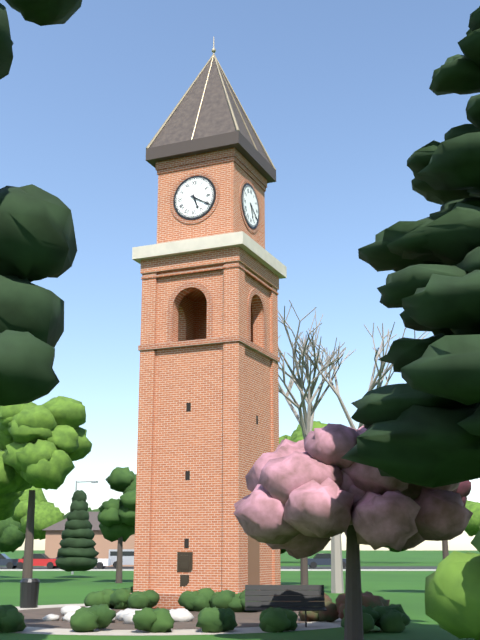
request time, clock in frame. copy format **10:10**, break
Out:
**5:20**
